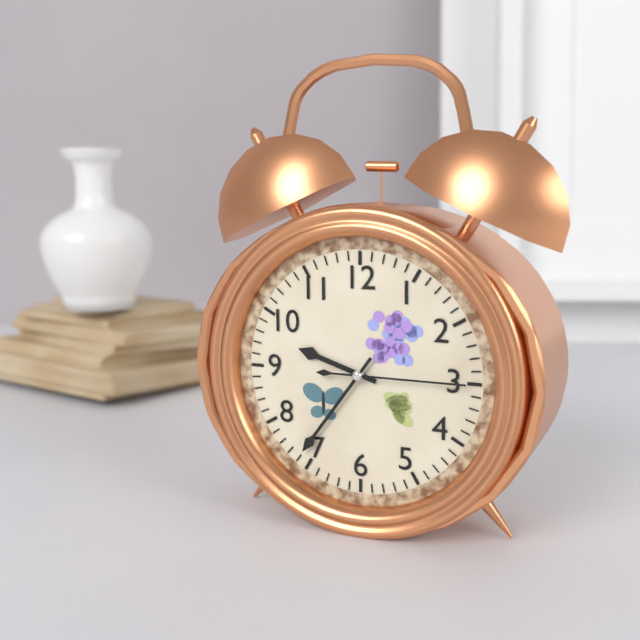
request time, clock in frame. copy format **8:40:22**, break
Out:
**9:36:15**
